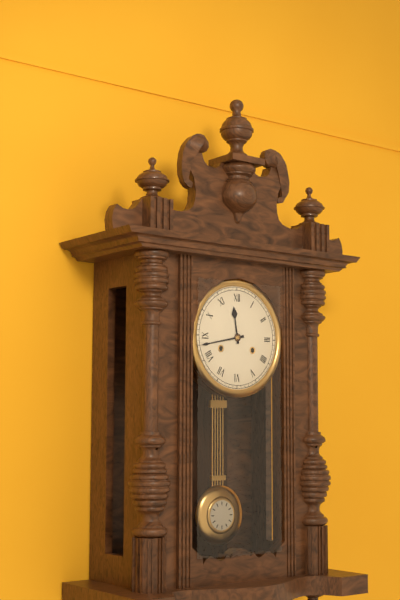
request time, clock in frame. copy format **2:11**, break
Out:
**11:43**
